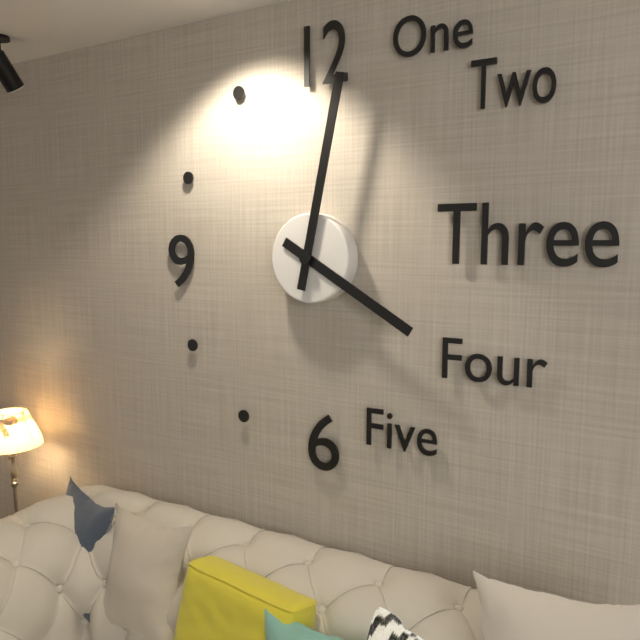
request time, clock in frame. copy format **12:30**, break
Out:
**4:02**
